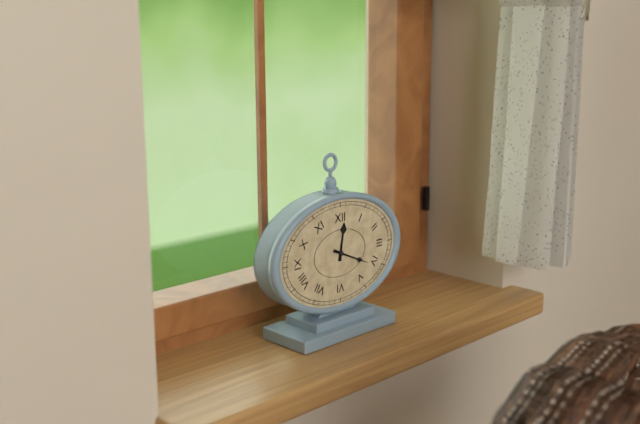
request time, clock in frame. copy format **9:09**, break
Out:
**12:19**
